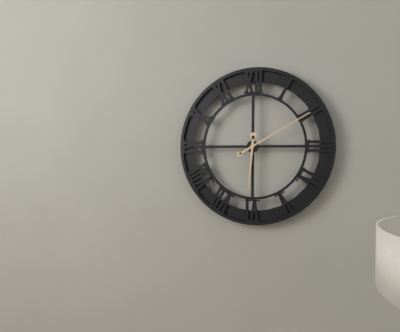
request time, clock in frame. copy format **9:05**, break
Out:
**6:10**
